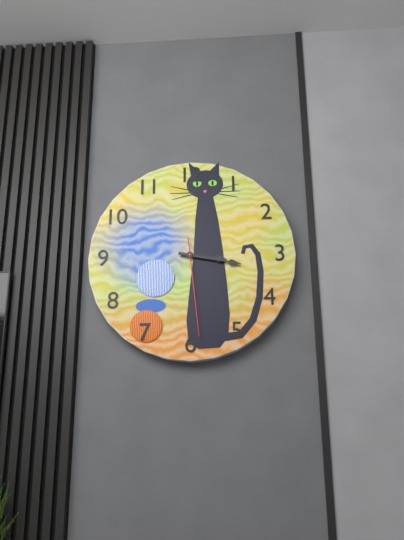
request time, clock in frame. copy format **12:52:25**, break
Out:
**3:17:29**
